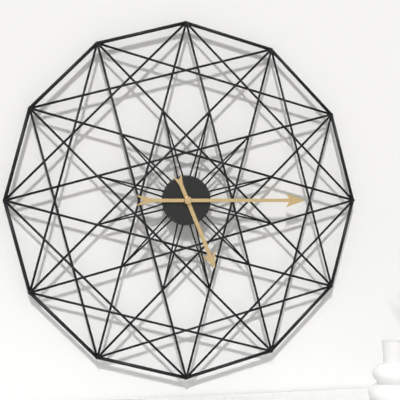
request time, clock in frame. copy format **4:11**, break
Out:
**5:15**
